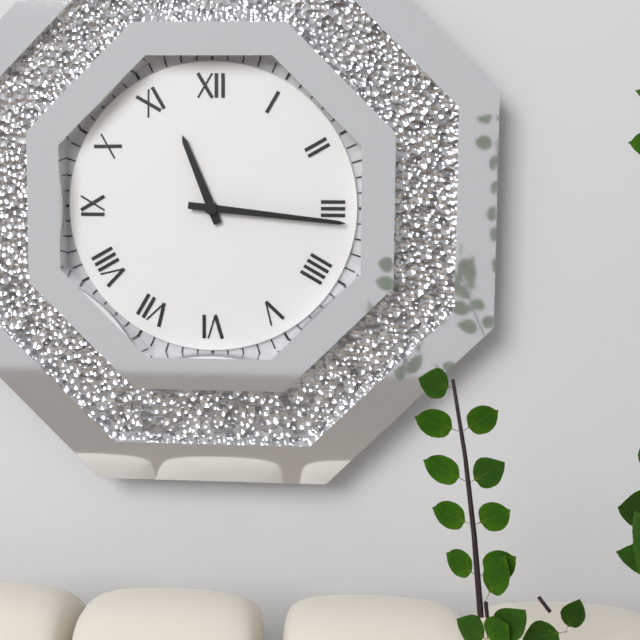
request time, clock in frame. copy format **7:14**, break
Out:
**11:16**
